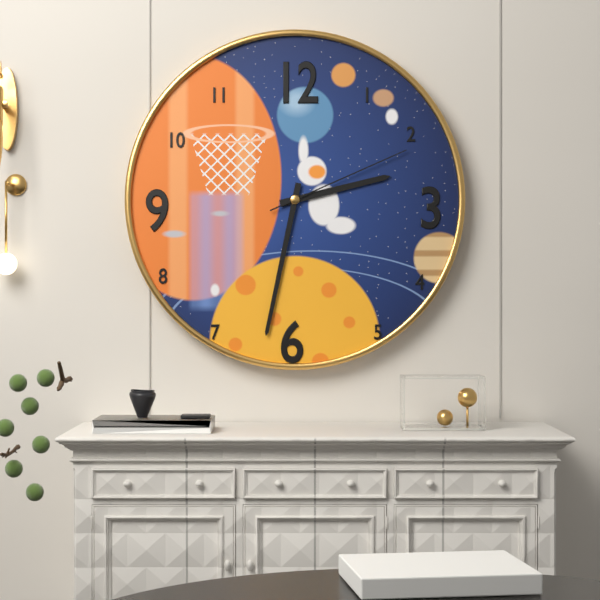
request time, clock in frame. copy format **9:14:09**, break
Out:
**2:32:11**
